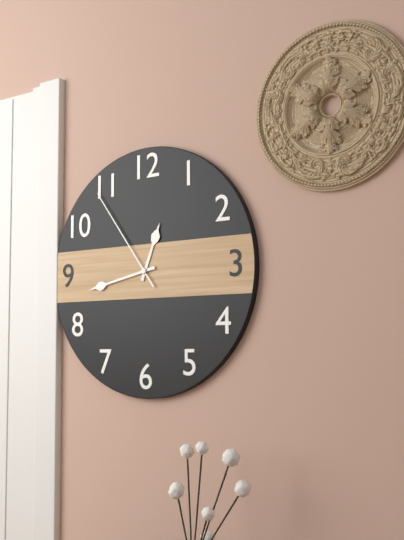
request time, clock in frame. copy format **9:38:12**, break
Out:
**12:43:54**
